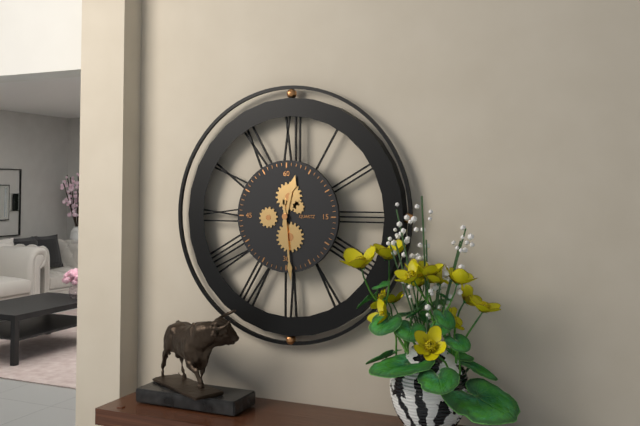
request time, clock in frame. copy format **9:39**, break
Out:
**12:29**
